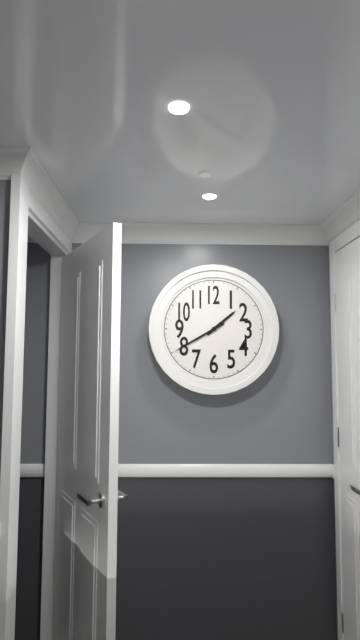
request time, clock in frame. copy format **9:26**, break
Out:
**1:40**
